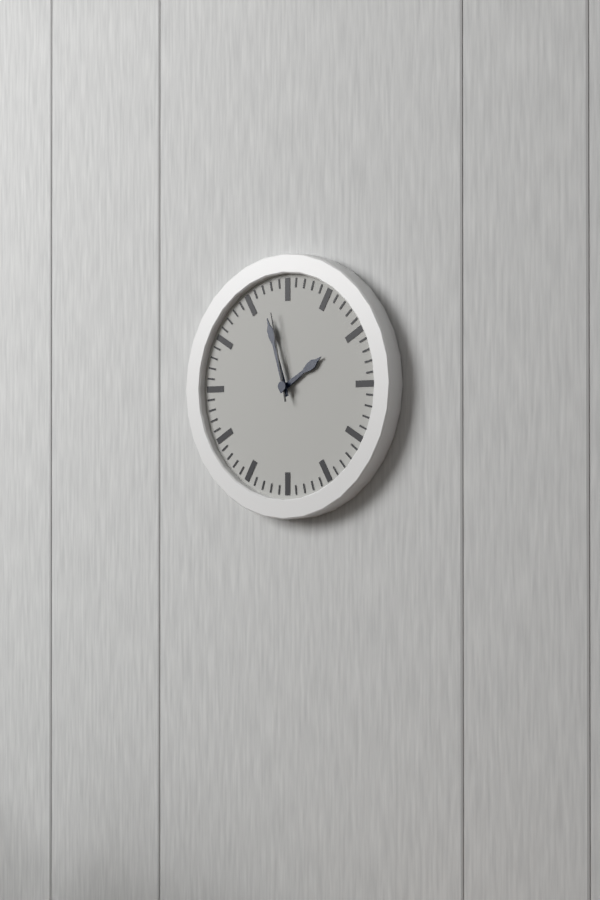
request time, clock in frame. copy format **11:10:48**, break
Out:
**1:57:58**
